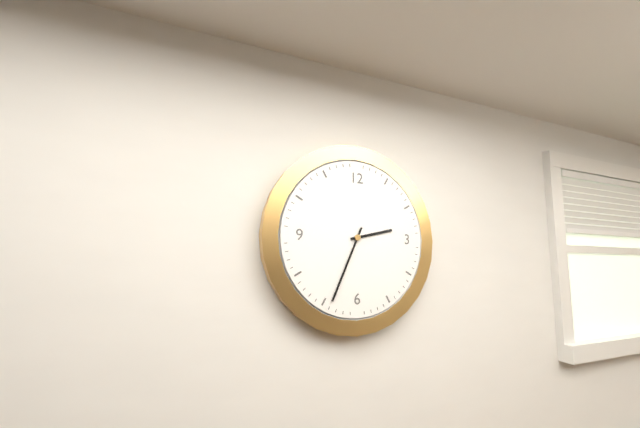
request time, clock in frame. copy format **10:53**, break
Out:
**2:34**
